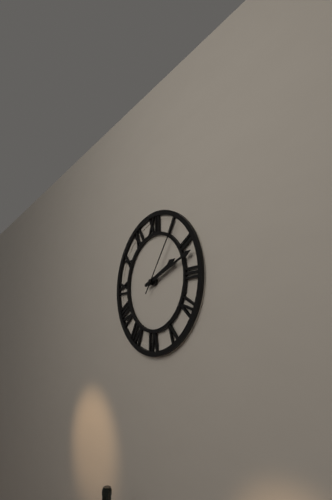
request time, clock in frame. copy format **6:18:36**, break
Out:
**2:12:06**
